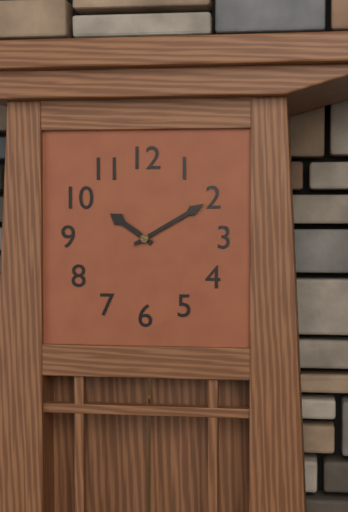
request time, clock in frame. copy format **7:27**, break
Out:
**10:10**
